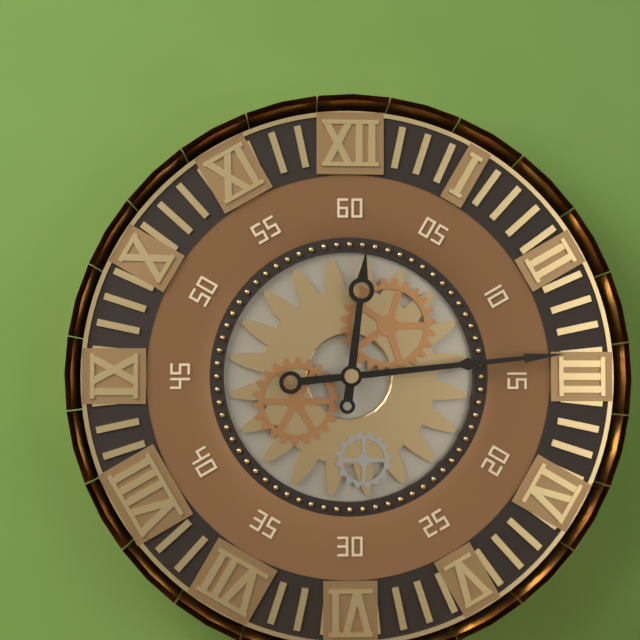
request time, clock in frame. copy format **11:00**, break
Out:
**12:14**
